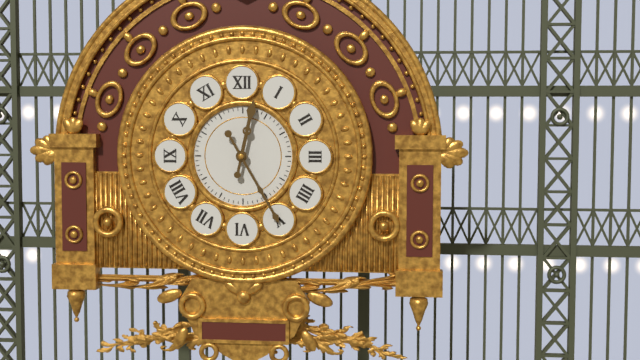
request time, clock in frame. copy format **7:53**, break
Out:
**12:25**
